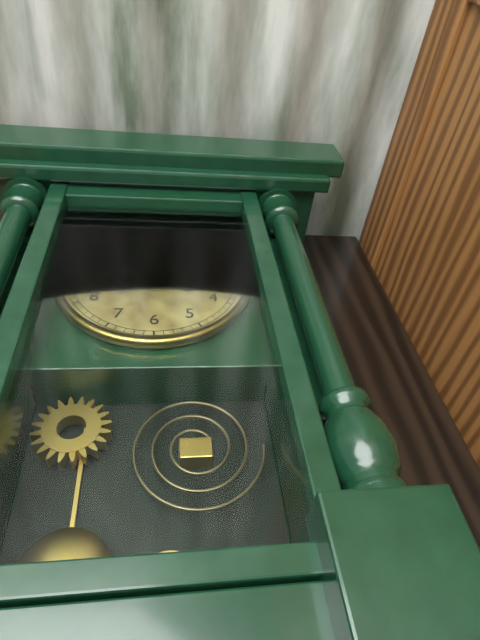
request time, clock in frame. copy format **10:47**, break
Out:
**2:01**
